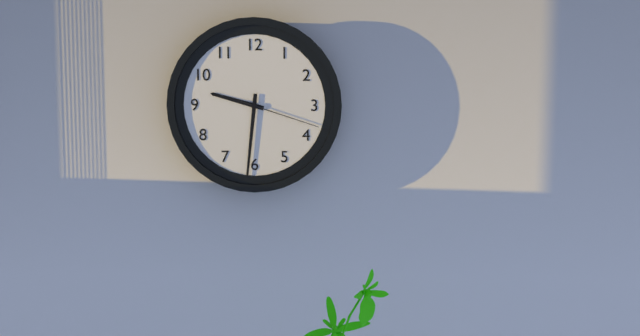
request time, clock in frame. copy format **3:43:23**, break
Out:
**9:31:18**
